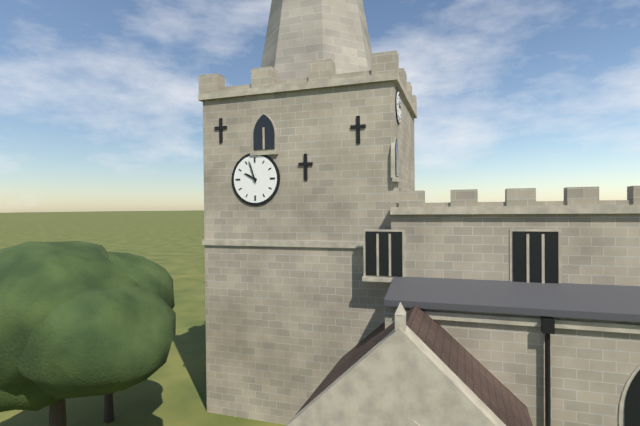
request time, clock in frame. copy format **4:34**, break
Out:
**9:57**
